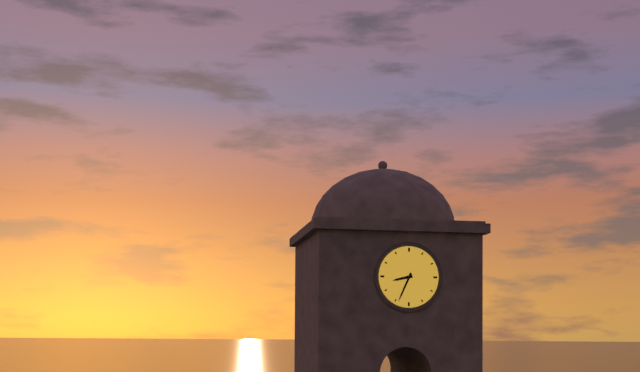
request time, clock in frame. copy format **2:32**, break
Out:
**8:34**
